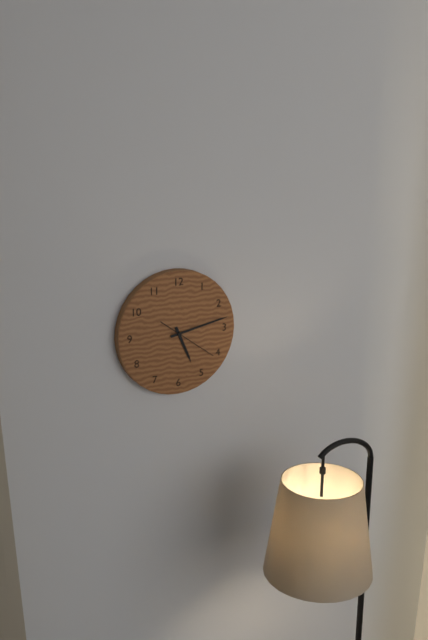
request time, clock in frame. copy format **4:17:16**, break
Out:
**5:13:21**
